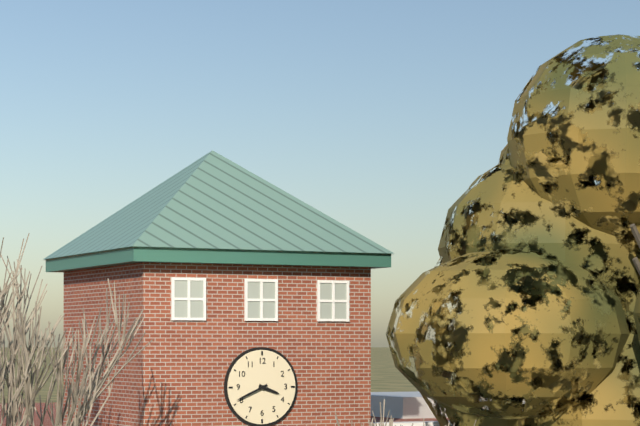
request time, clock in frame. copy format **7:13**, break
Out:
**3:41**
